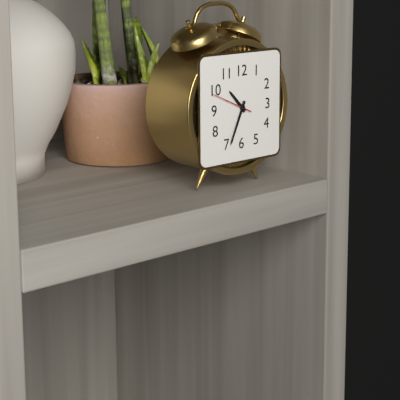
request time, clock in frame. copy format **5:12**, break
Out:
**10:34**
